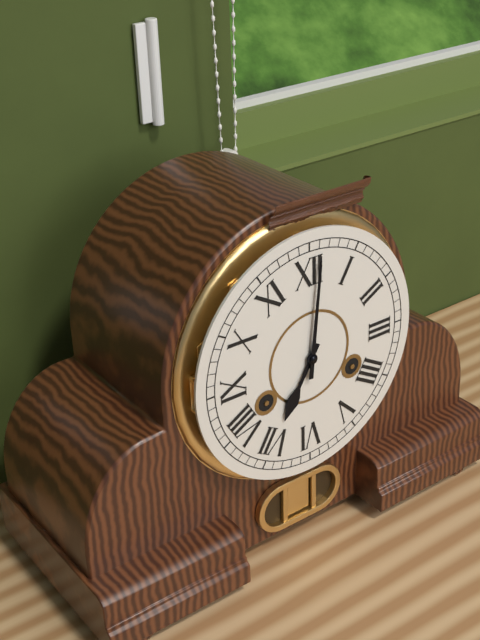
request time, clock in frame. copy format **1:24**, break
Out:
**7:01**
